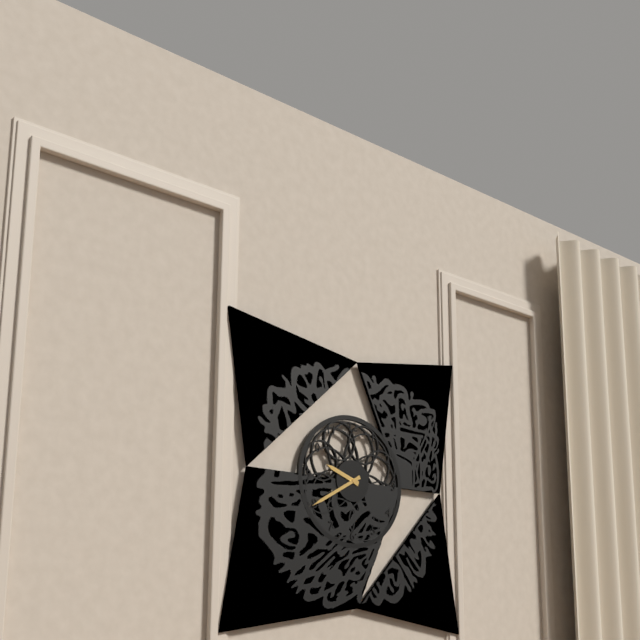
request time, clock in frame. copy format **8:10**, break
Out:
**9:40**
